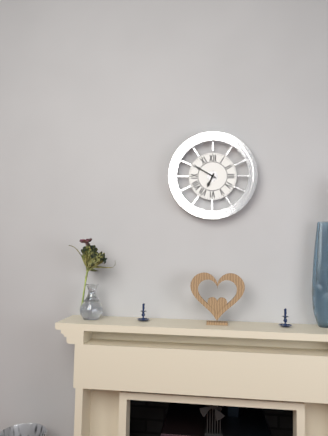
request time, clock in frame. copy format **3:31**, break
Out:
**6:50**
